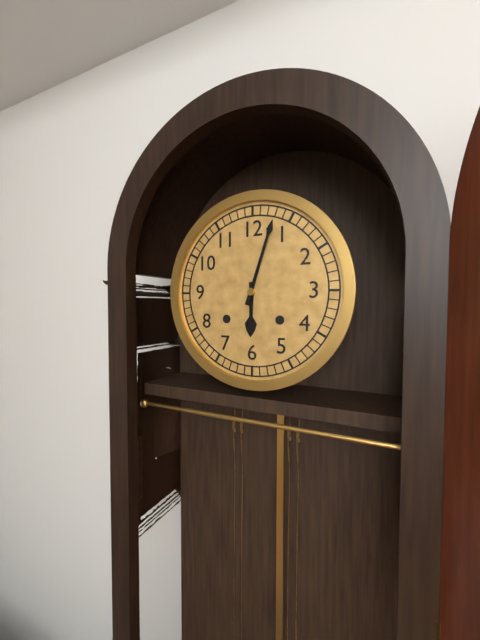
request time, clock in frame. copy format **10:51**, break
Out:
**6:03**
